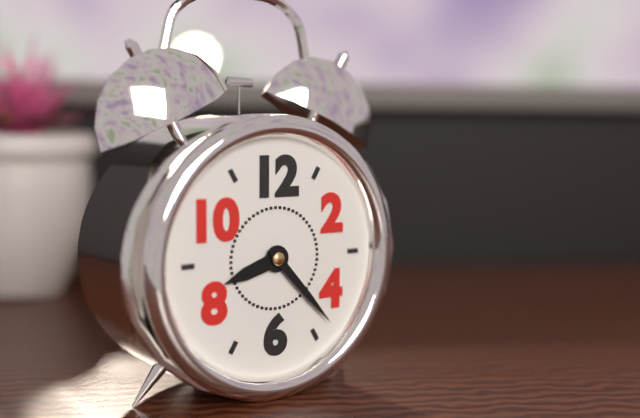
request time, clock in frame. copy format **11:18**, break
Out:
**8:23**
